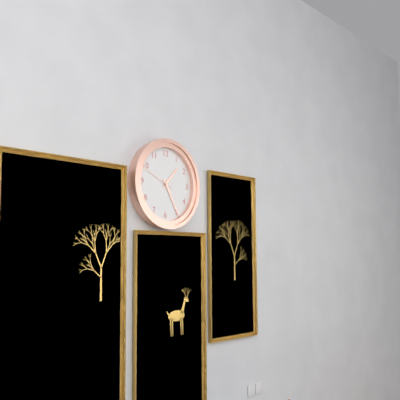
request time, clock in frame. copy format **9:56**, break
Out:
**1:25**
